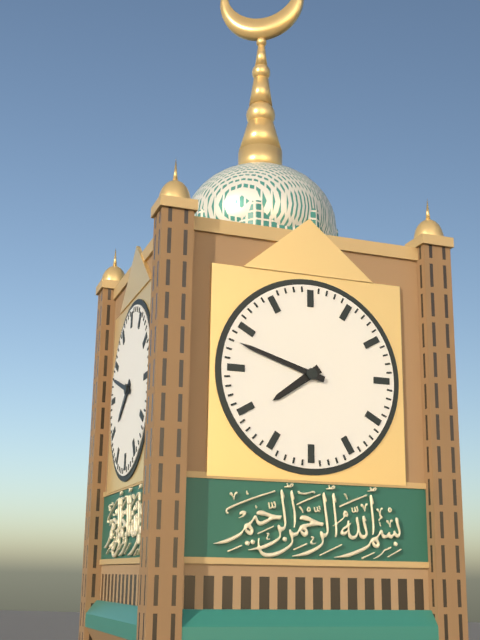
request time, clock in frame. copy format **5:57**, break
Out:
**7:48**
